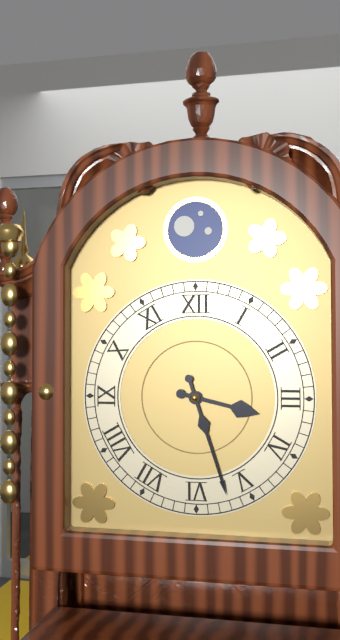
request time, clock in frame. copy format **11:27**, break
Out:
**3:27**
